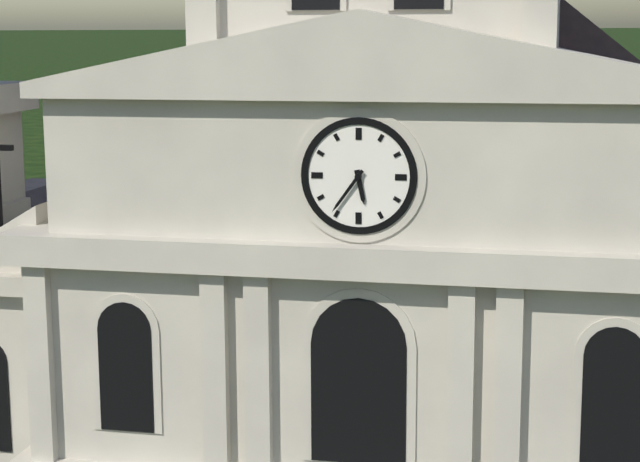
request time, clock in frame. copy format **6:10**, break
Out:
**5:36**
